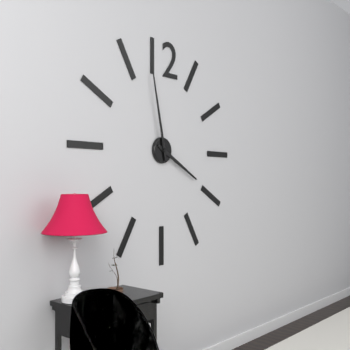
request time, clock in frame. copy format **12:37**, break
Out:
**3:58**
